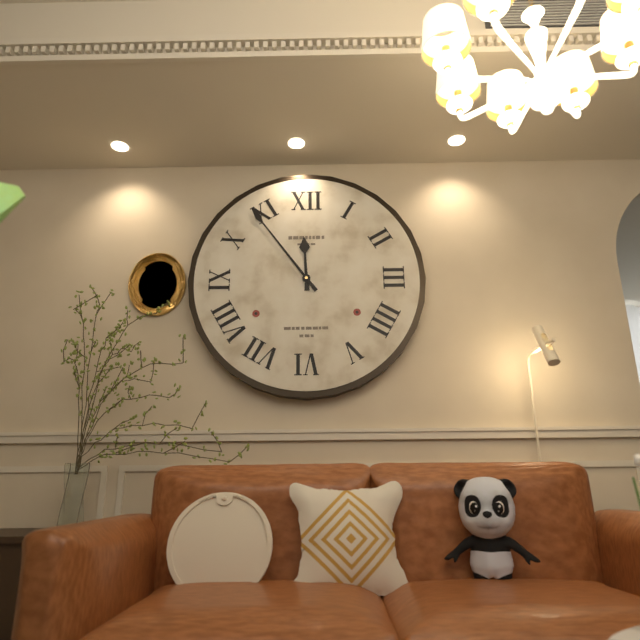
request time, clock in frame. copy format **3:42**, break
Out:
**11:54**
